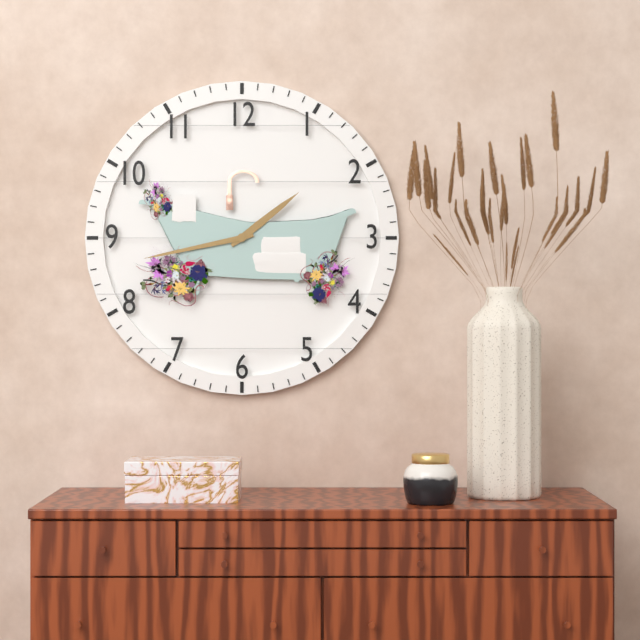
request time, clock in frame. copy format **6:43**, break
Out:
**1:43**
